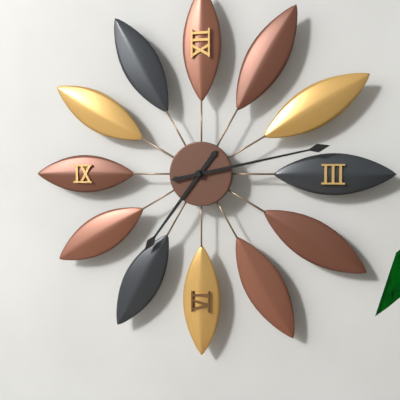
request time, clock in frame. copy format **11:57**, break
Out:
**7:13**
